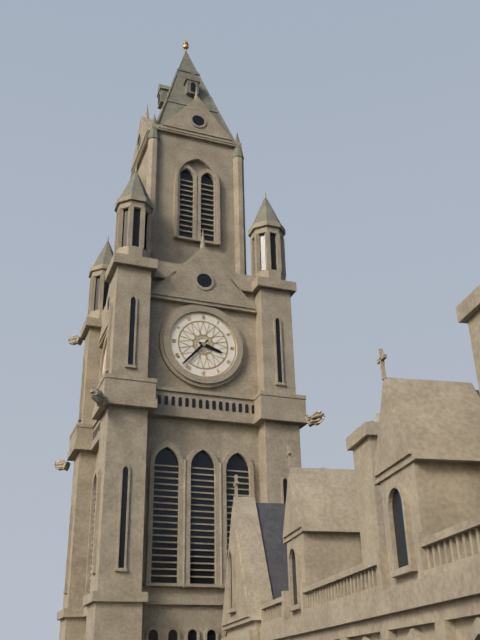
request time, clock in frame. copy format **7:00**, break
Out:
**3:37**
